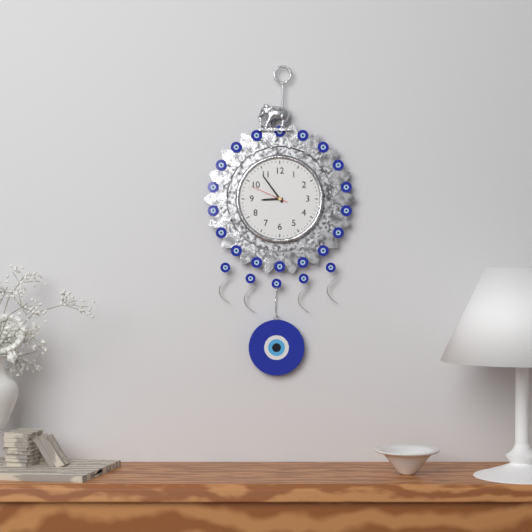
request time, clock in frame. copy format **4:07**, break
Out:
**8:54**
